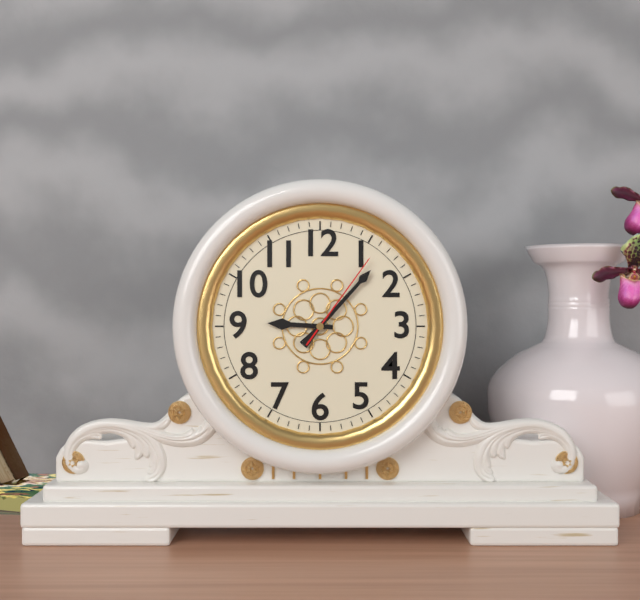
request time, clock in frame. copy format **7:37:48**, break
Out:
**9:07:06**
